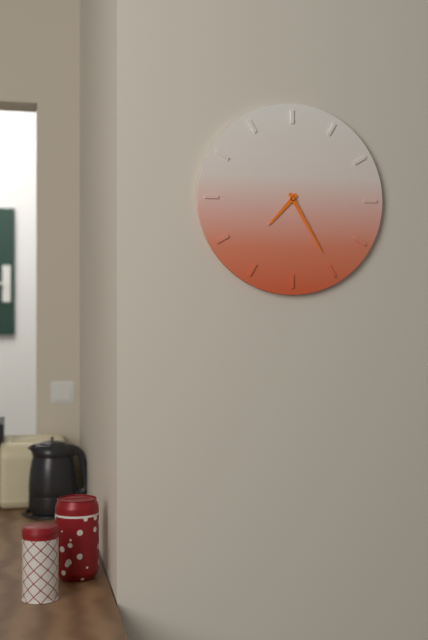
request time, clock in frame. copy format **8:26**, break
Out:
**7:25**
